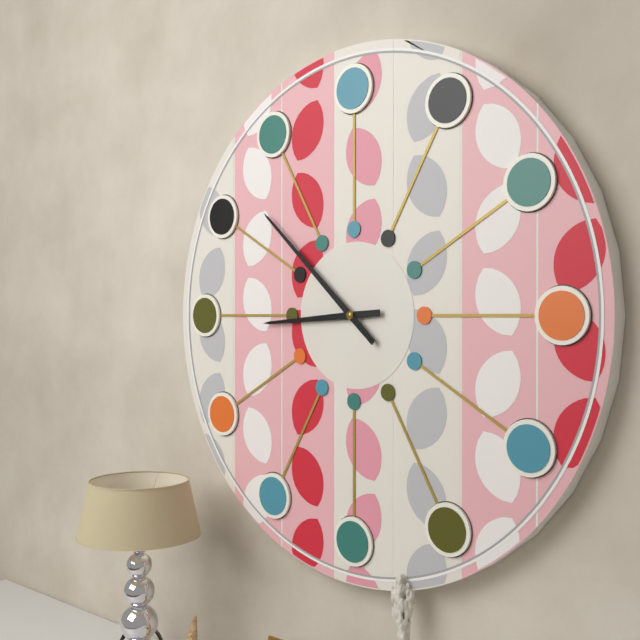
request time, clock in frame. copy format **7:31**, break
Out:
**8:52**
